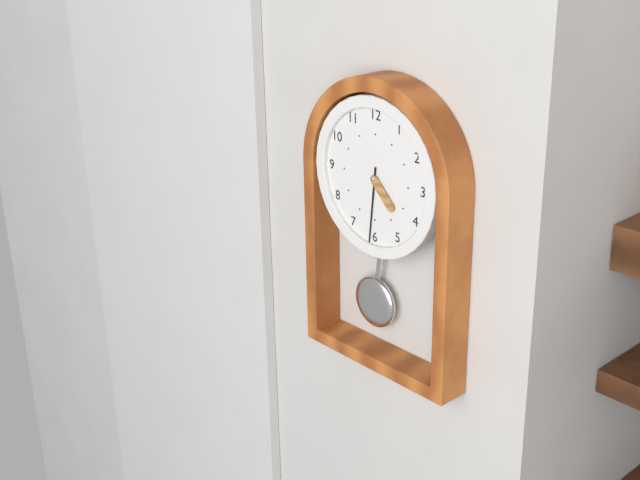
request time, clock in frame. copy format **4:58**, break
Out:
**4:31**
